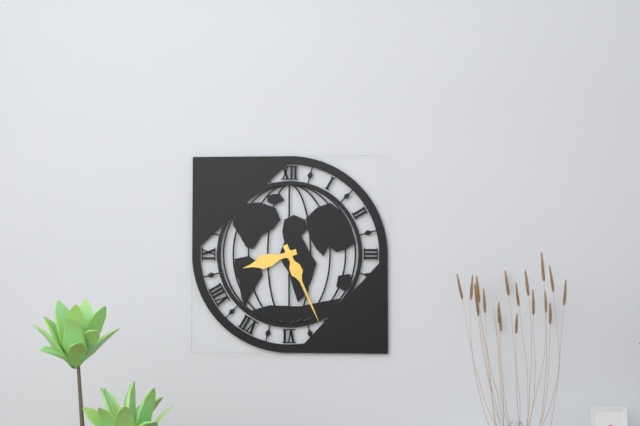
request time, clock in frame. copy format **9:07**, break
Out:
**8:26**
